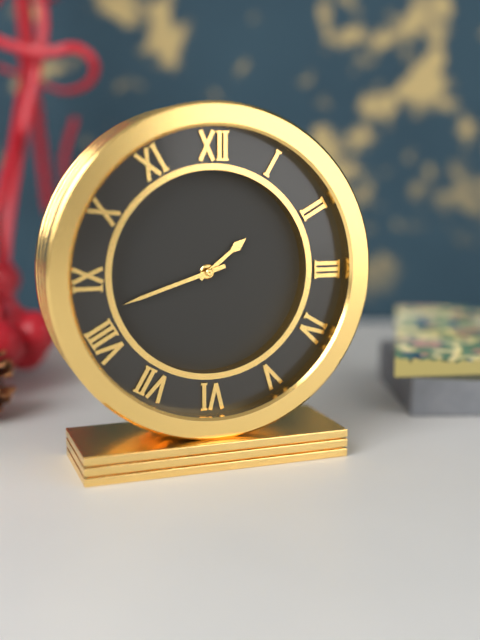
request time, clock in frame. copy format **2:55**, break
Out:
**1:42**
